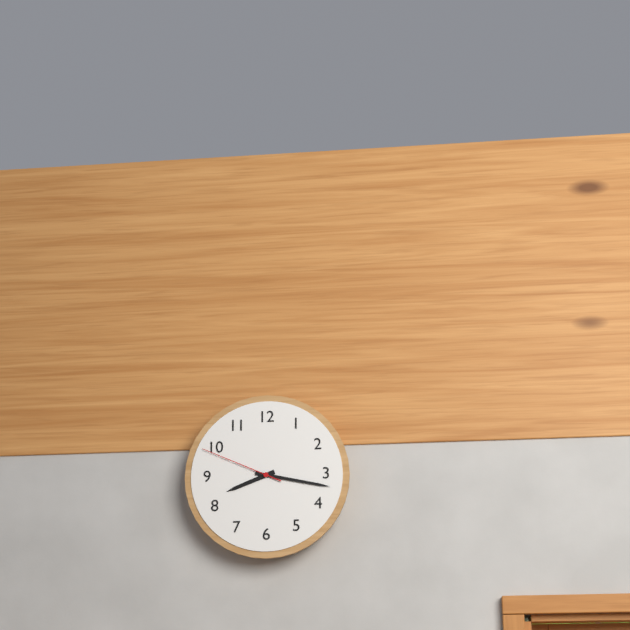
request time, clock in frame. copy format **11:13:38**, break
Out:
**8:17:49**
